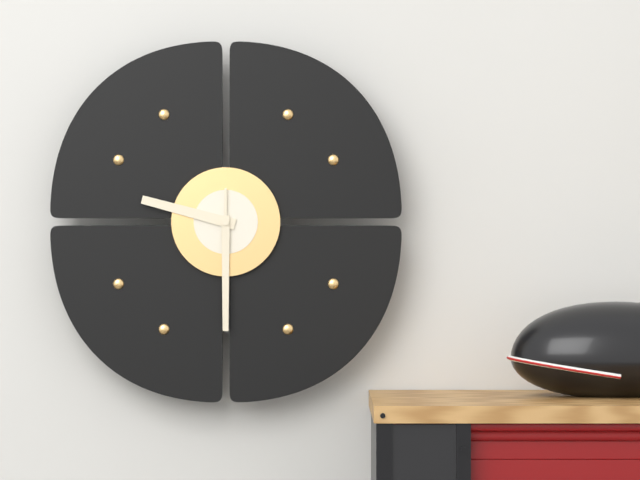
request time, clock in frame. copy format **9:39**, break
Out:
**9:30**
